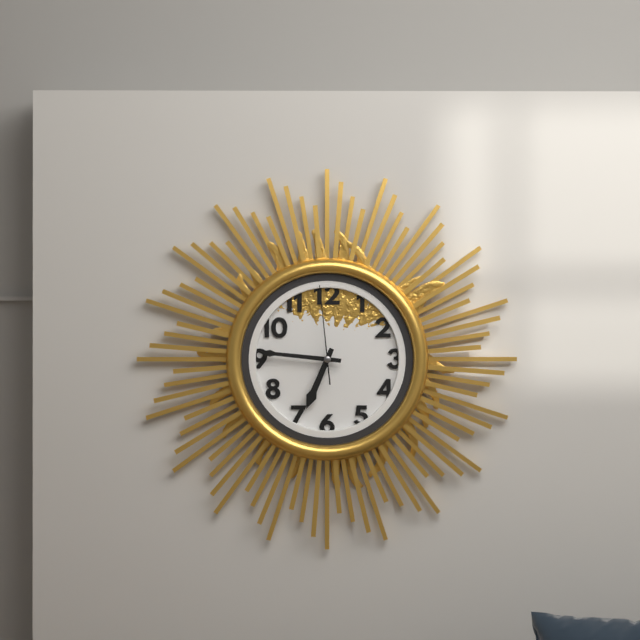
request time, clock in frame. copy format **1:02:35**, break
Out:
**6:46:59**
